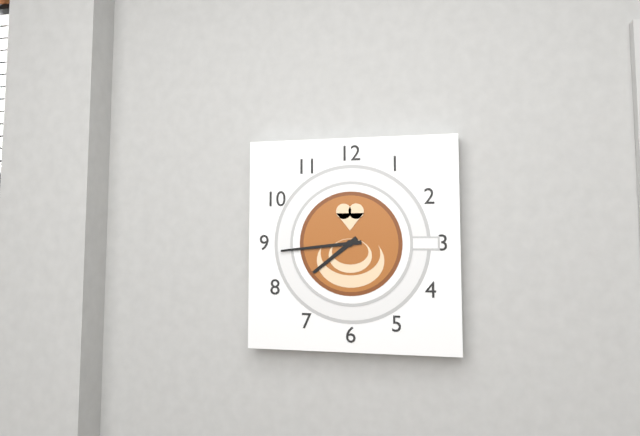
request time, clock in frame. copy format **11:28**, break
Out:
**7:44**
